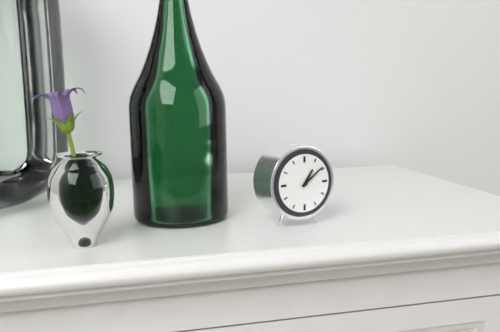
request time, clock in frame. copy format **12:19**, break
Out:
**1:09**
